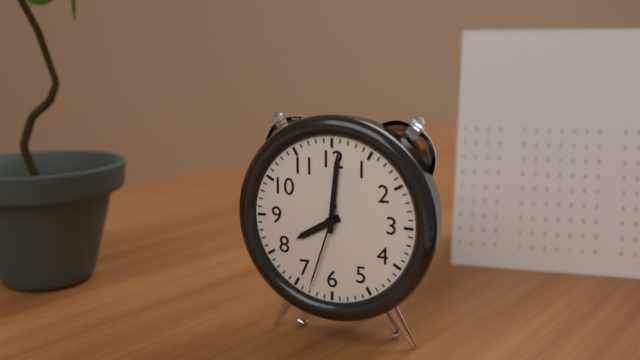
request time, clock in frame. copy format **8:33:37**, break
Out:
**8:01:33**
